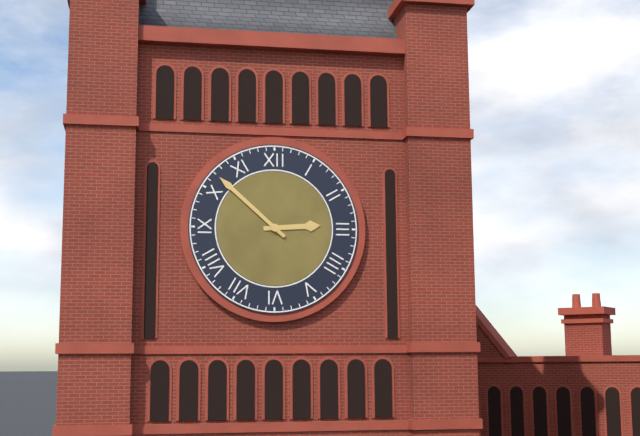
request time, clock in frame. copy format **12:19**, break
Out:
**2:52**
